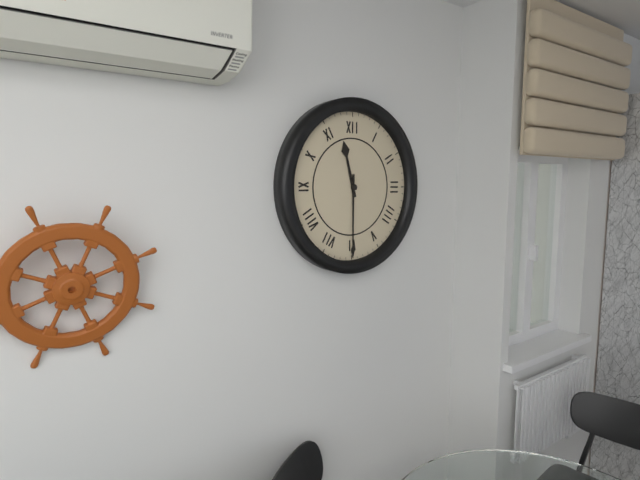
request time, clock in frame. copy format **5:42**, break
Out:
**11:30**
